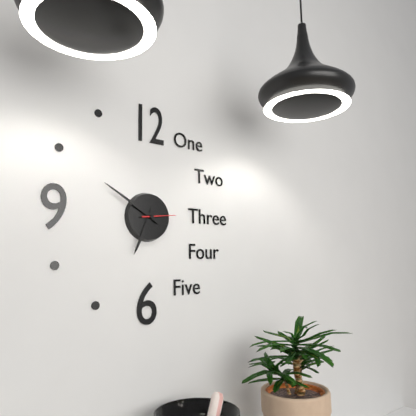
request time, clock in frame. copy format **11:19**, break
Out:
**6:50**
